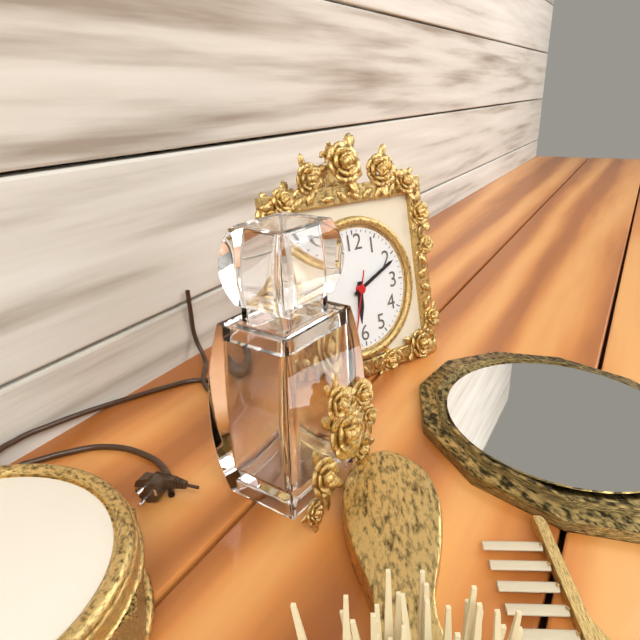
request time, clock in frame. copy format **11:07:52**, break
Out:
**6:11:33**
